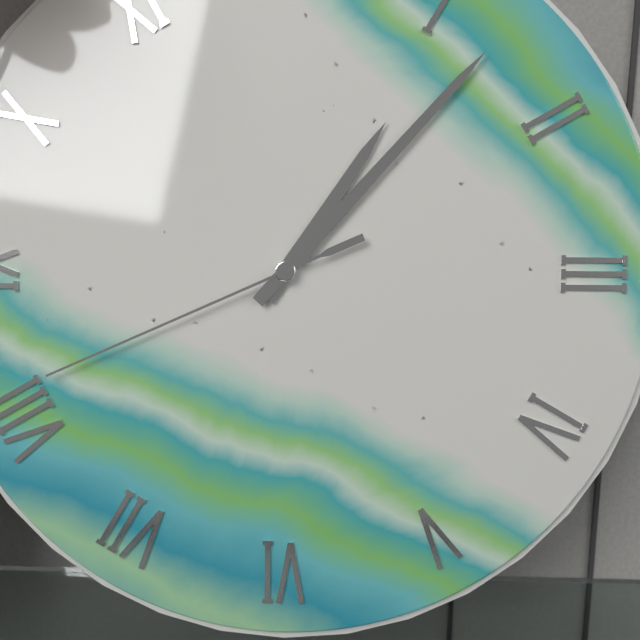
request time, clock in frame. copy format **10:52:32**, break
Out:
**1:07:41**
